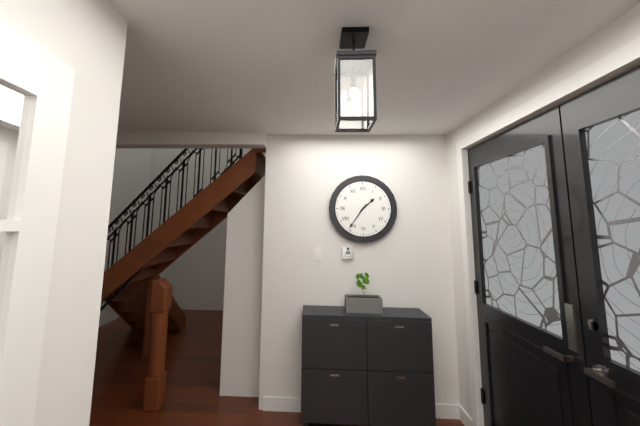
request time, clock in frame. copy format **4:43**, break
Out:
**1:36**
